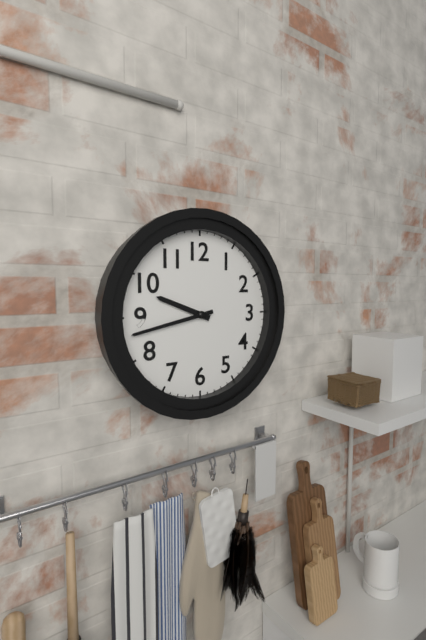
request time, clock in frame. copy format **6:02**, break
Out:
**9:43**
